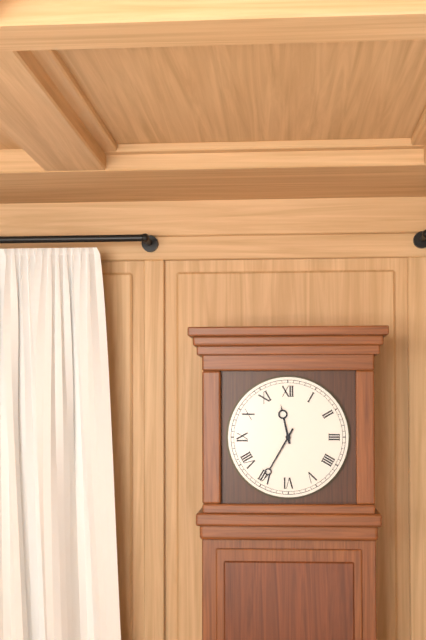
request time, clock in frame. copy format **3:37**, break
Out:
**11:35**
